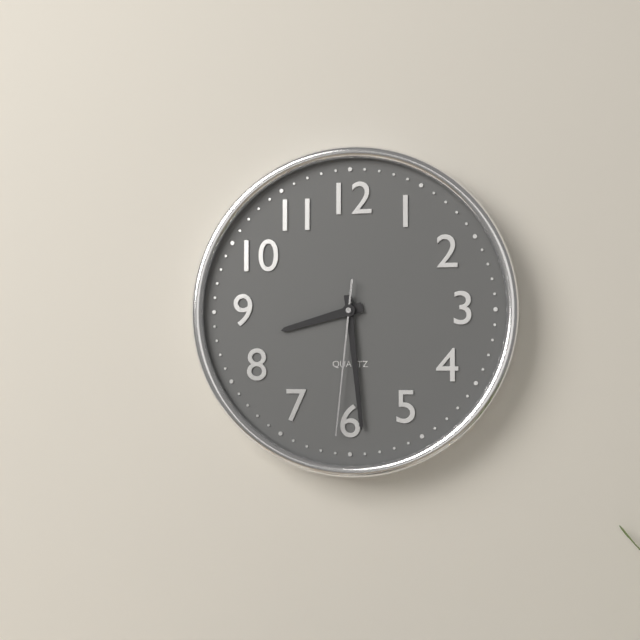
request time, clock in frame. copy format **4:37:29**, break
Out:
**8:29:31**
